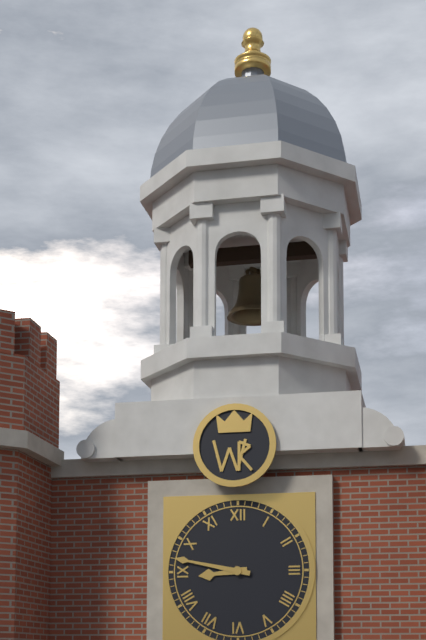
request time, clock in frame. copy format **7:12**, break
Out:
**8:47**
